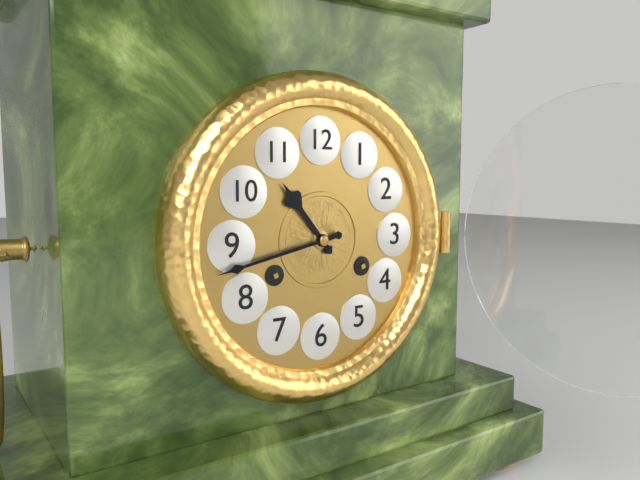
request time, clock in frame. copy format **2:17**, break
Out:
**10:43**
